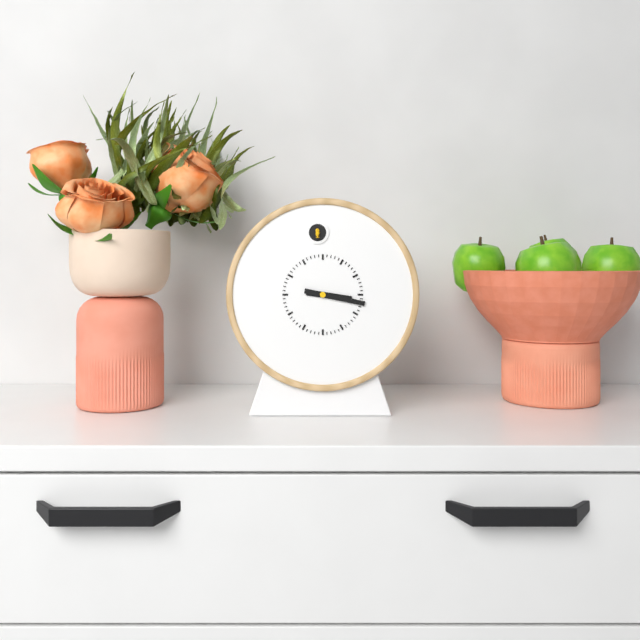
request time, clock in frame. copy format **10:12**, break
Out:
**3:17**
